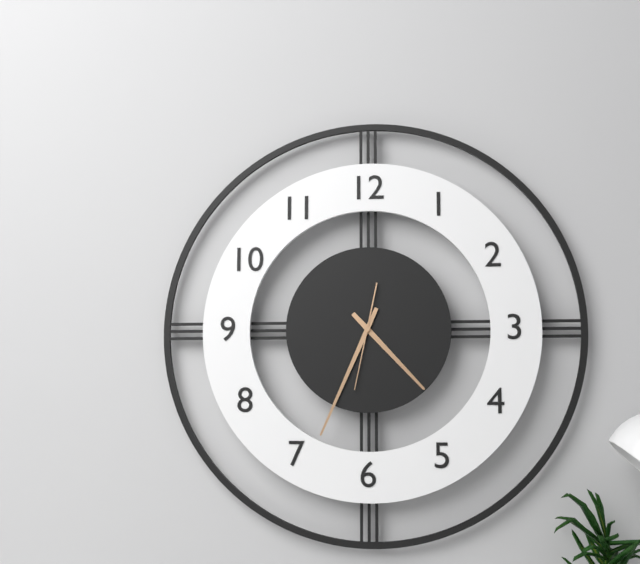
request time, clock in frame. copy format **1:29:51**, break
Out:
**4:34:32**
